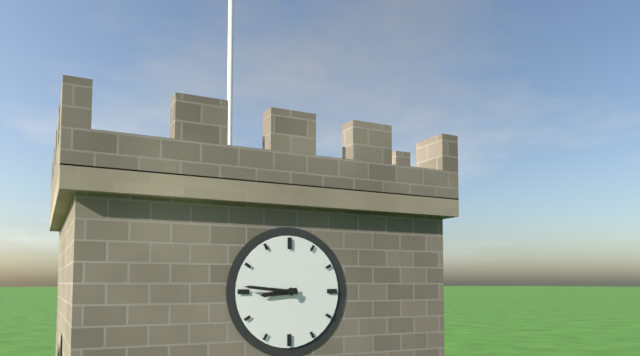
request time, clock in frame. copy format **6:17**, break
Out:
**8:46**
